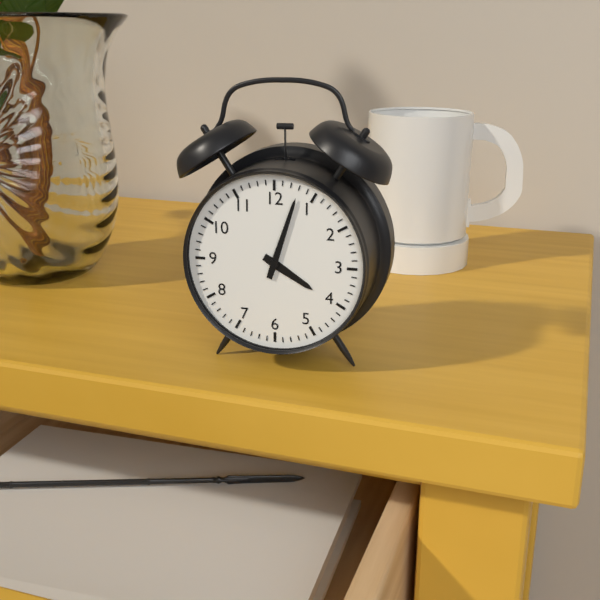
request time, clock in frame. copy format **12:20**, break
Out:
**4:03**
